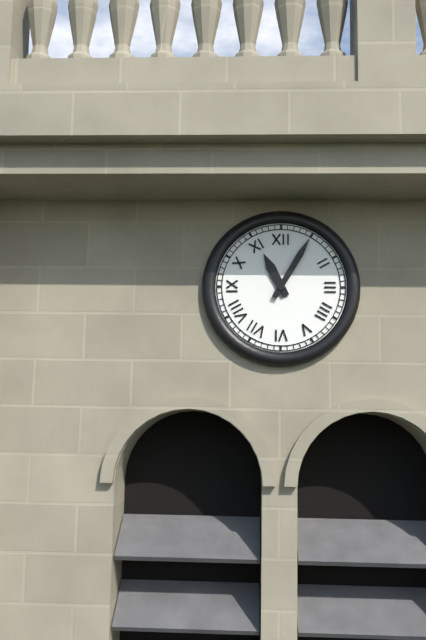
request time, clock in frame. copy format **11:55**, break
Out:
**11:05**
